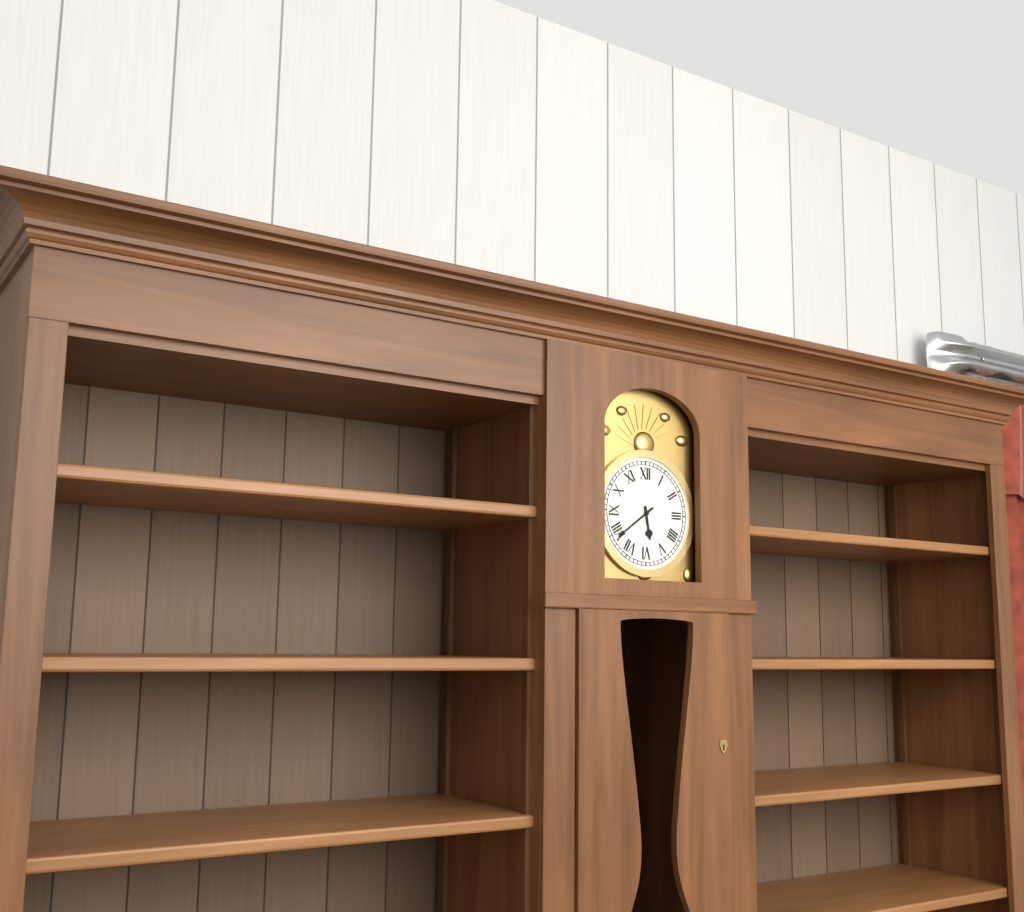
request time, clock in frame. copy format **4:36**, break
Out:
**5:39**
